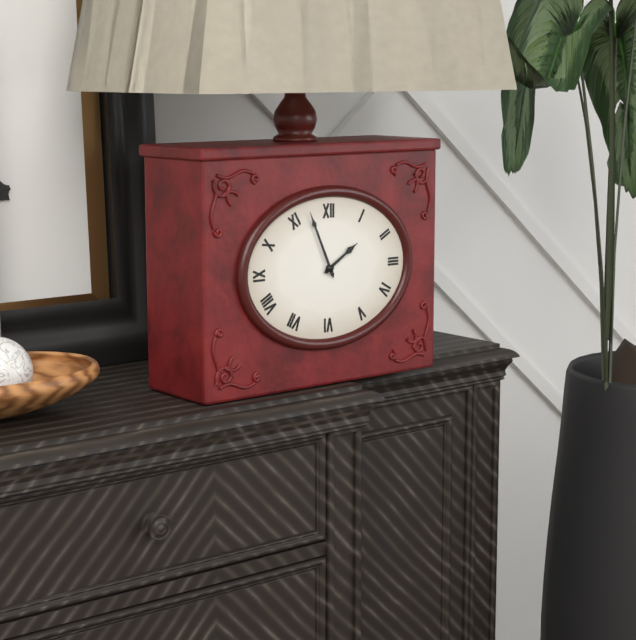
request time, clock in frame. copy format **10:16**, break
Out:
**1:56**
